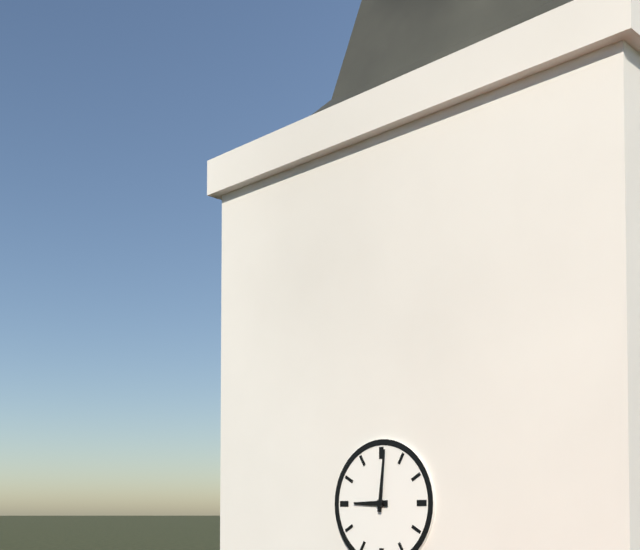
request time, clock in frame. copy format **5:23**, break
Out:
**9:01**
